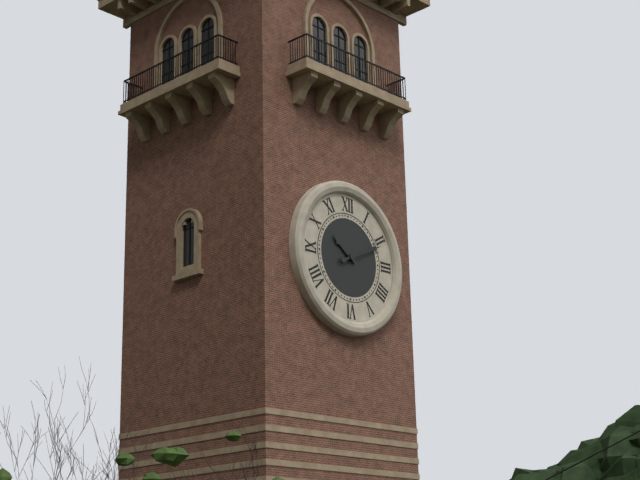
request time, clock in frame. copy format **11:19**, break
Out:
**10:11**
